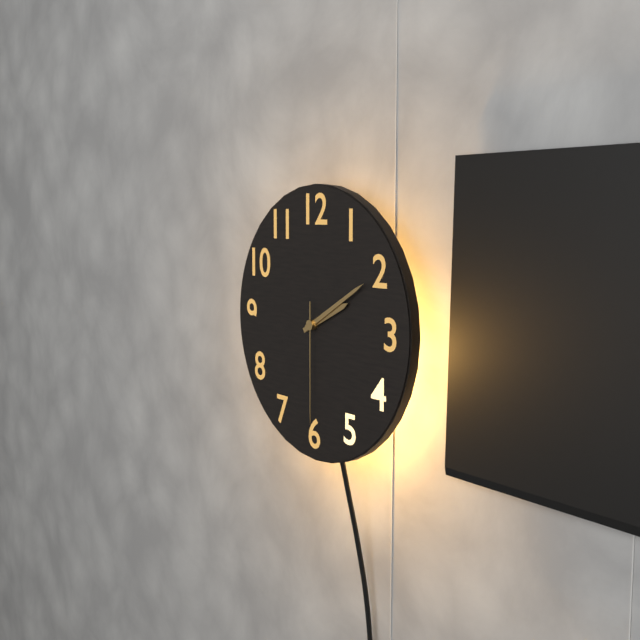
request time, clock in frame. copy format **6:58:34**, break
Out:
**2:10:30**
